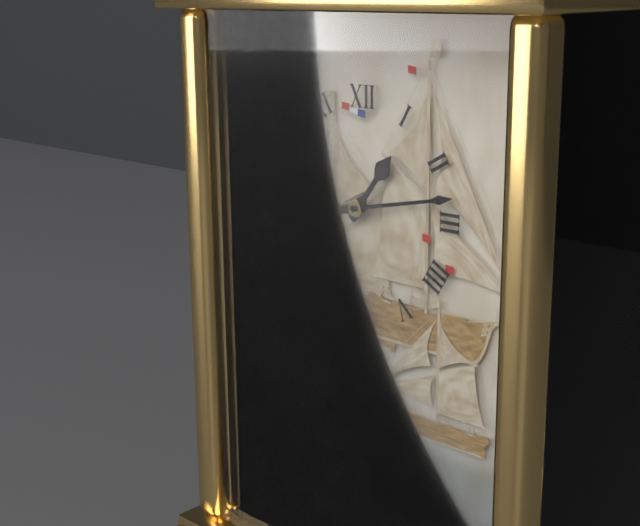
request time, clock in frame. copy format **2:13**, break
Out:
**1:13**
